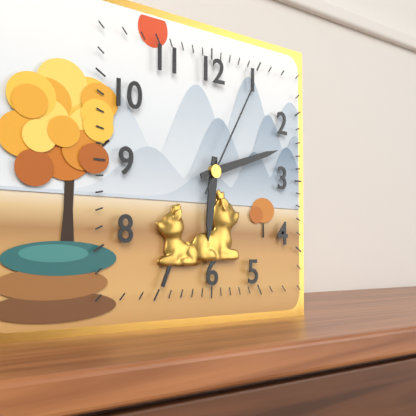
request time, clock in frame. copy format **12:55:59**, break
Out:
**6:12:05**
